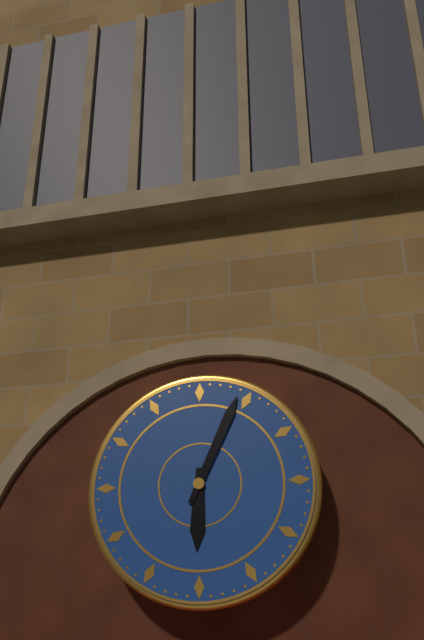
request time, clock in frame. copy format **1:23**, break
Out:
**6:04**
